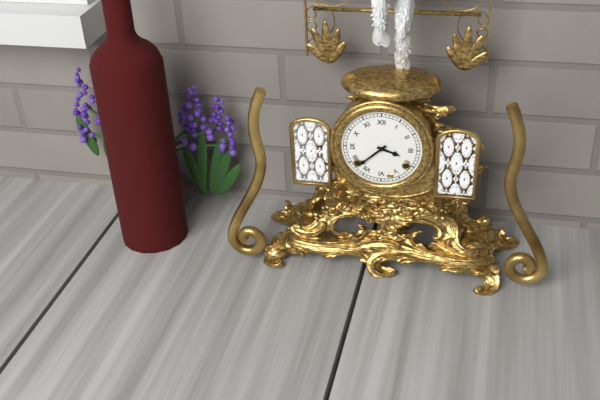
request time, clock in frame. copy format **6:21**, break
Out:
**3:38**
